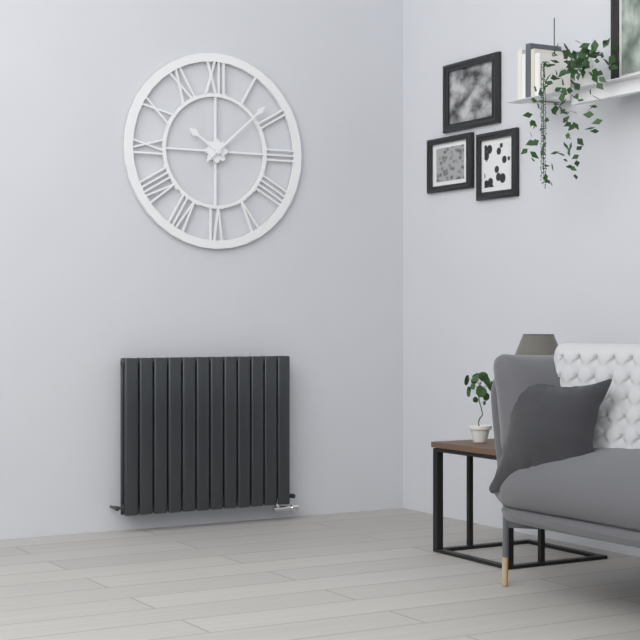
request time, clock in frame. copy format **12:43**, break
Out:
**10:08**
